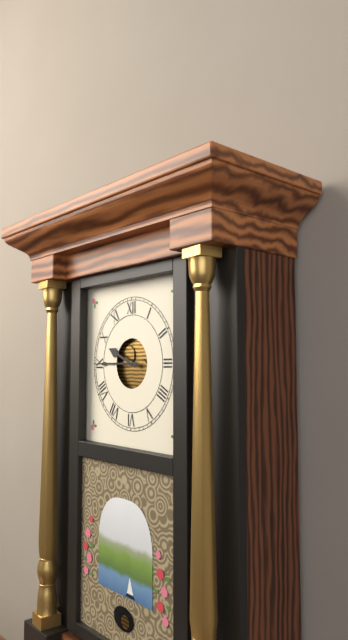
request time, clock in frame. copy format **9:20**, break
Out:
**9:45**
